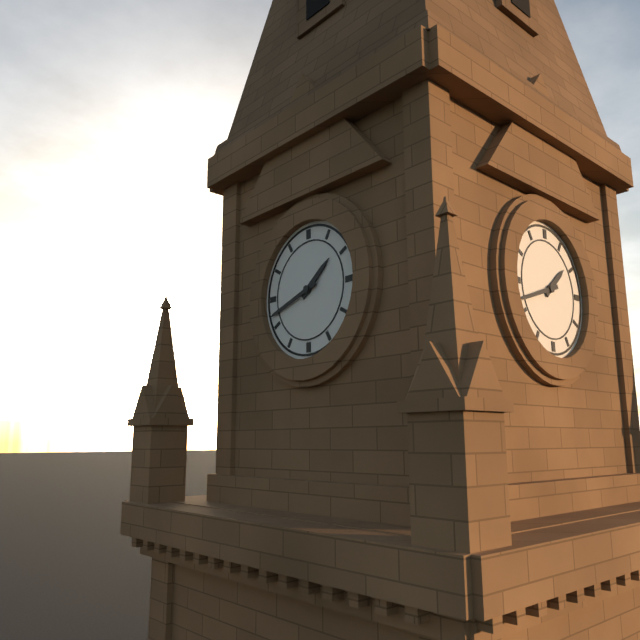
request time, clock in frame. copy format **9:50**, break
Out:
**1:42**
